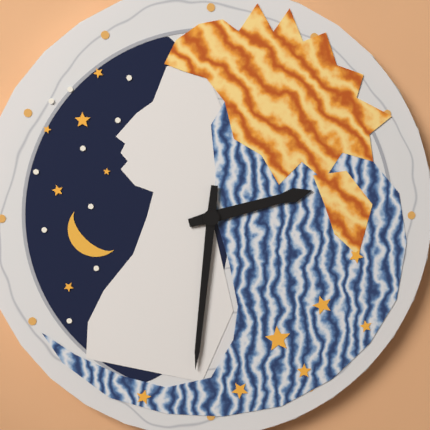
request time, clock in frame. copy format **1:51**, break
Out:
**2:31**
